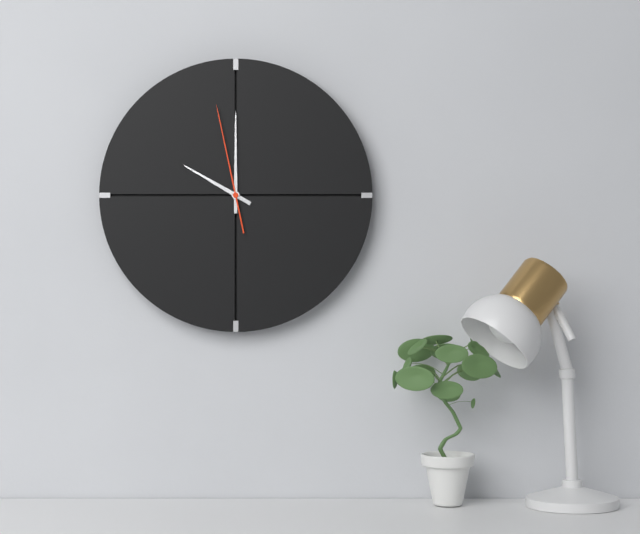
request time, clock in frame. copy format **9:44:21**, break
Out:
**10:00:58**
